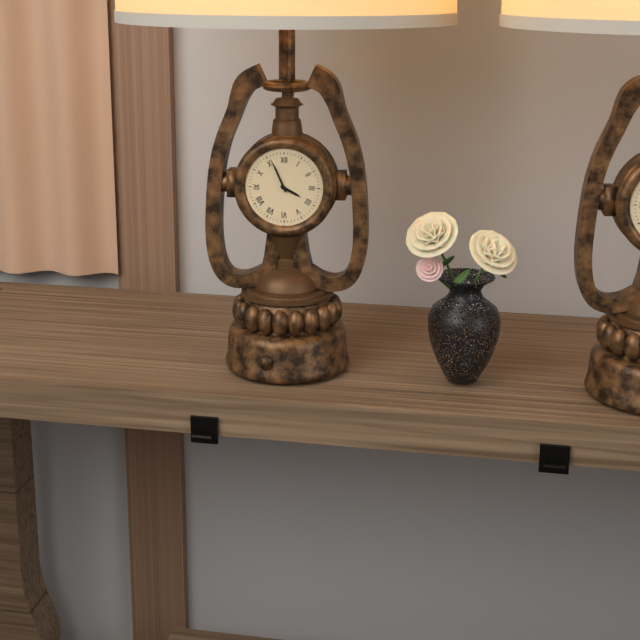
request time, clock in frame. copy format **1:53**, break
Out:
**3:56**
